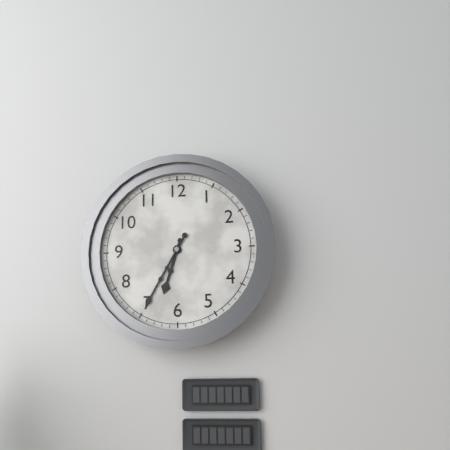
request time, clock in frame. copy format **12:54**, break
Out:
**6:35**
